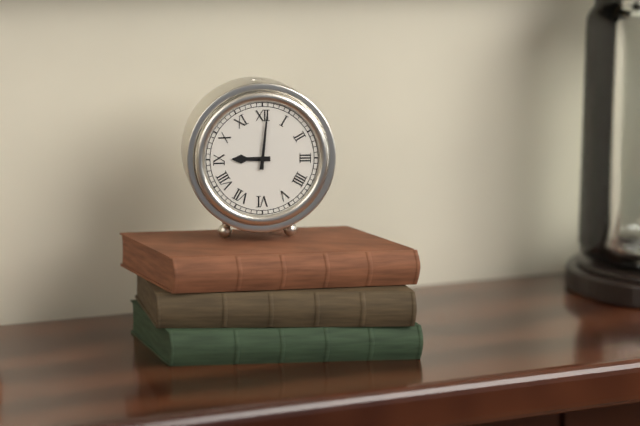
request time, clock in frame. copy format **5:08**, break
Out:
**9:01**
